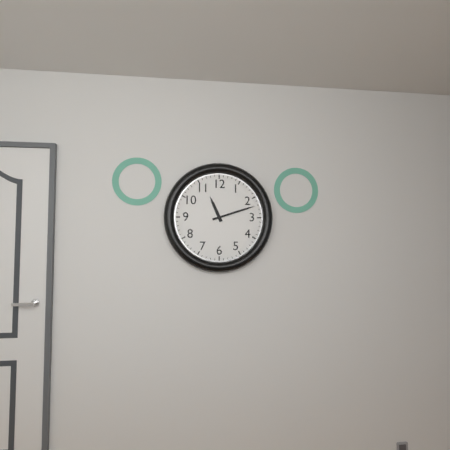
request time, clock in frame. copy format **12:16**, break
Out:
**11:12**
